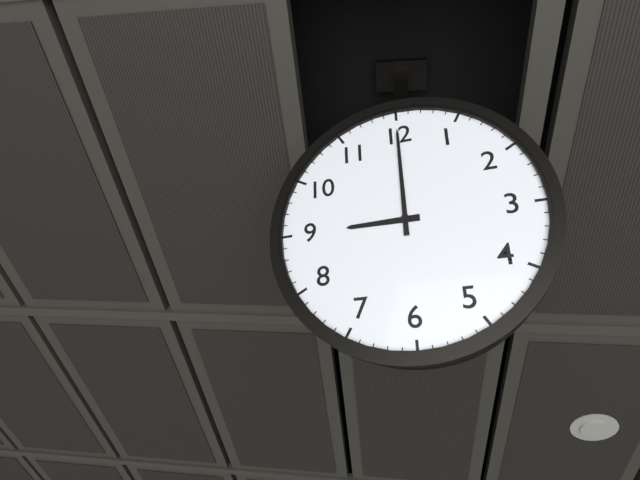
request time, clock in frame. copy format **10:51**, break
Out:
**9:00**
